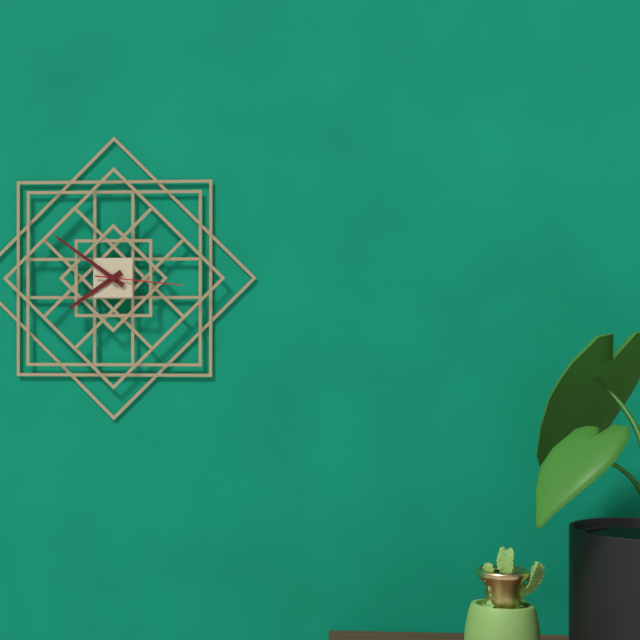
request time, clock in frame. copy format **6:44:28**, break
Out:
**7:51:16**
